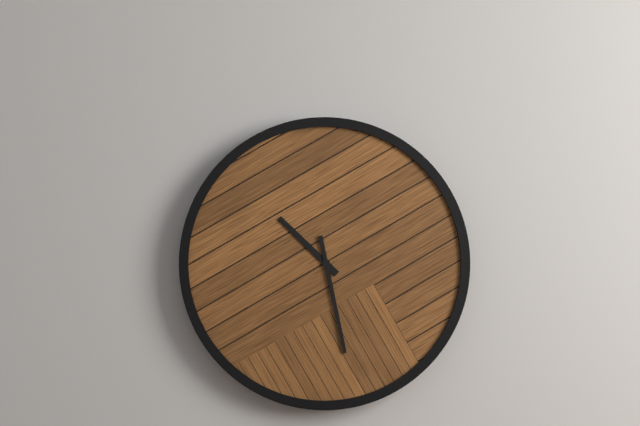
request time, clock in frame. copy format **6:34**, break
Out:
**10:28**
